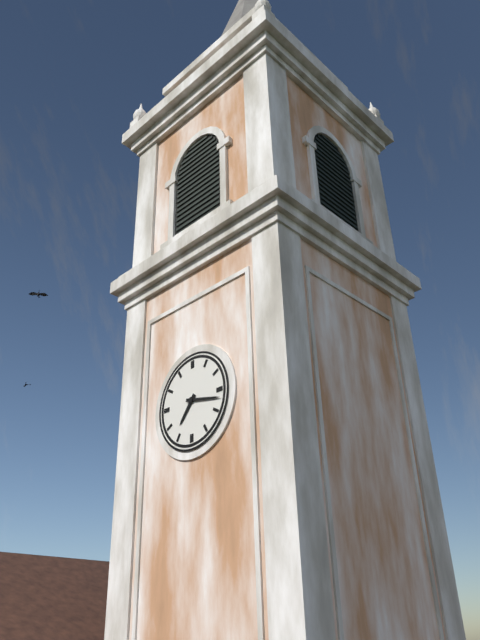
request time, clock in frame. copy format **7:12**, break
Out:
**7:17**
